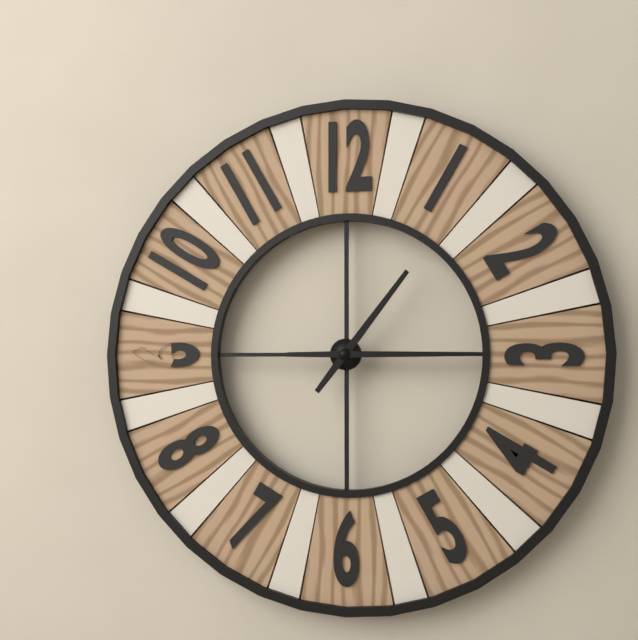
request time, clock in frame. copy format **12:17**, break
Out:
**1:15**
